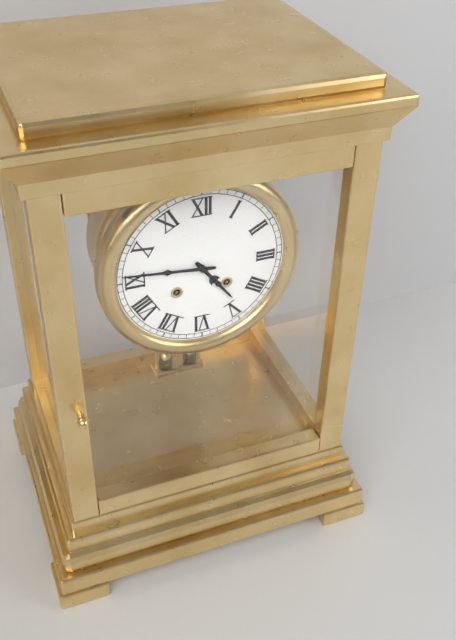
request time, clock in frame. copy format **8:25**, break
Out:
**4:46**
